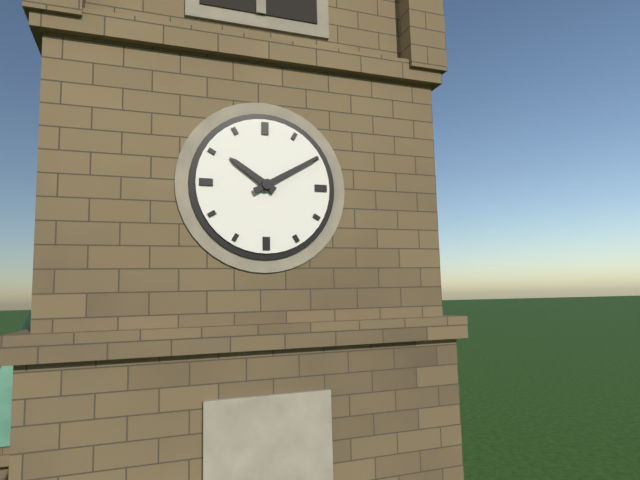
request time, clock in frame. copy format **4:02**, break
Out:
**10:10**
